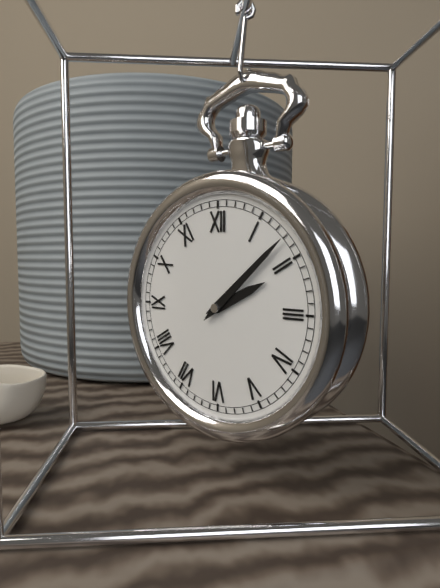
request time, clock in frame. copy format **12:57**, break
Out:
**2:08**
